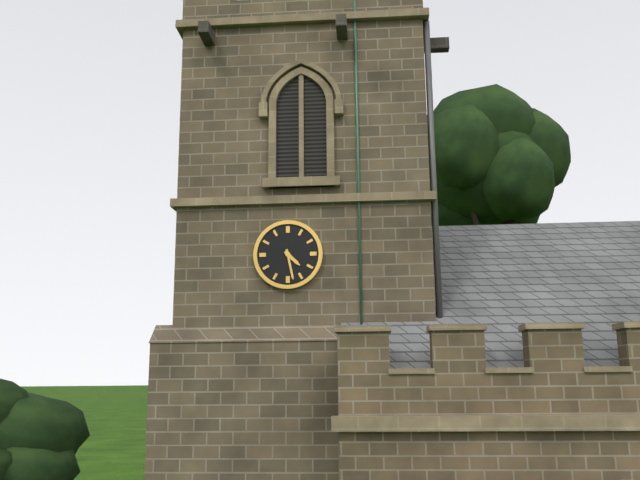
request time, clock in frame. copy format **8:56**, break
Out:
**4:28**
